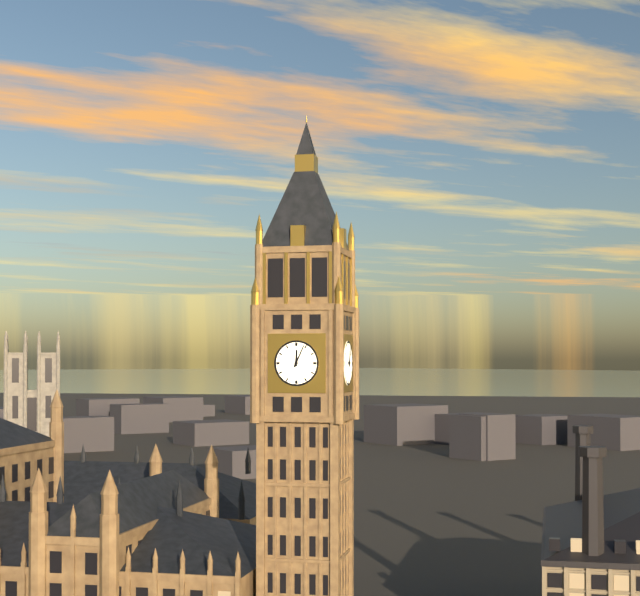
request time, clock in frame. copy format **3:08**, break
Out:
**12:04**
